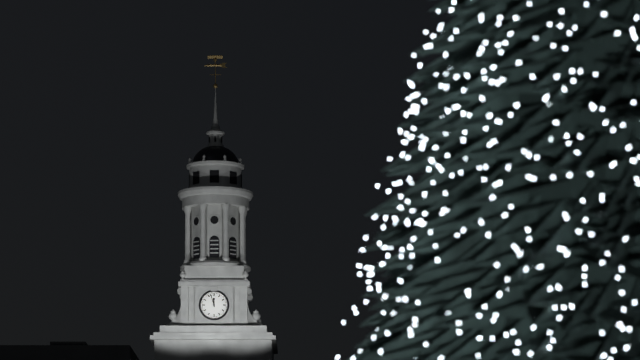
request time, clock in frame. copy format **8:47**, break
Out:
**11:57**
